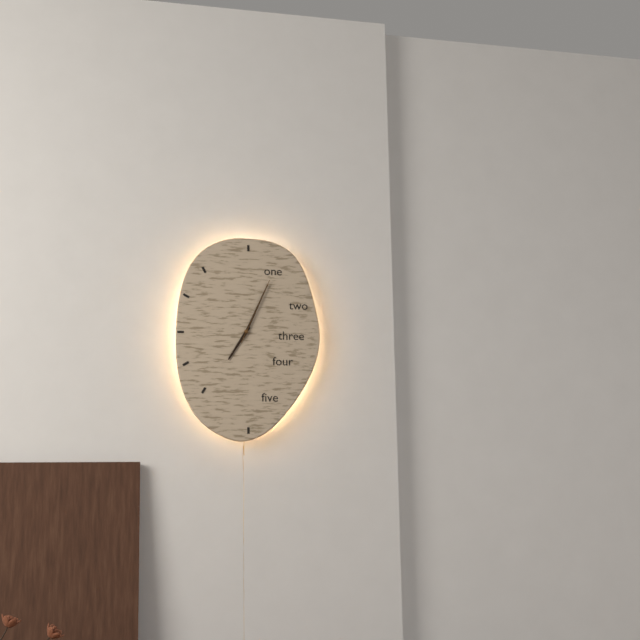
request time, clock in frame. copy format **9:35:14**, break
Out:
**7:04:04**
